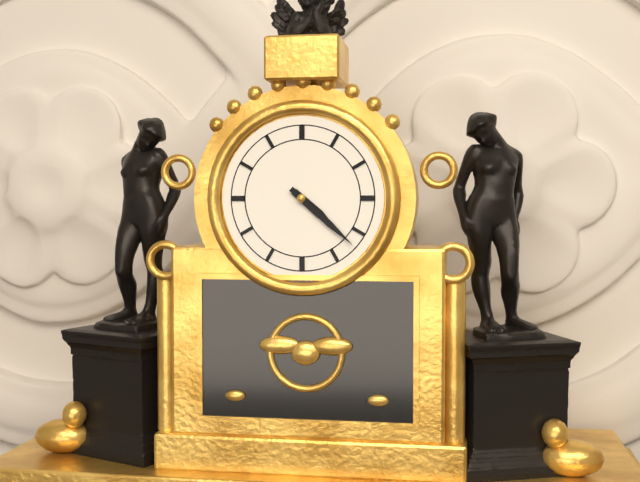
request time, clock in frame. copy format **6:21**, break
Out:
**4:22**
